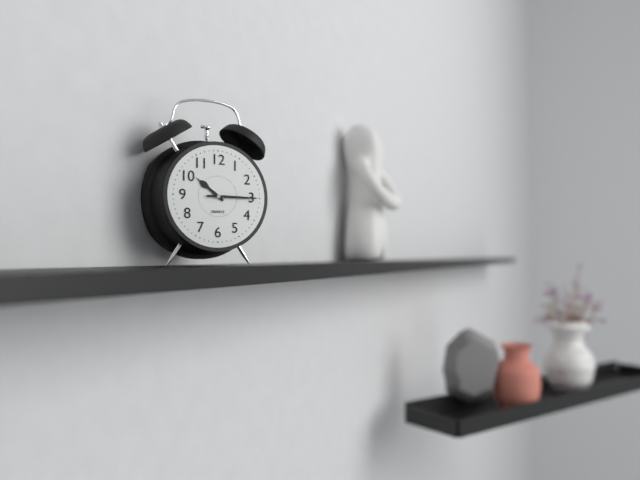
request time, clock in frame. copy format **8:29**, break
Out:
**10:15**
